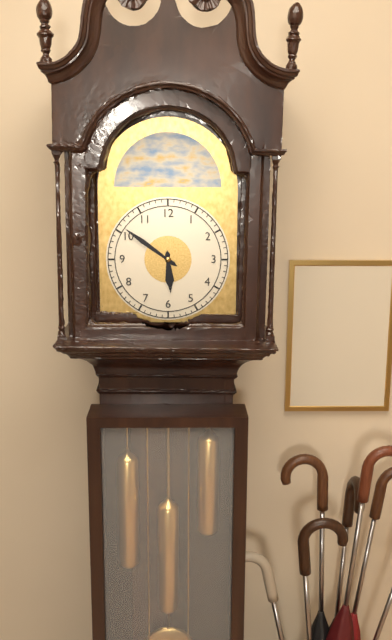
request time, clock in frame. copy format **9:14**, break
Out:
**5:51**
